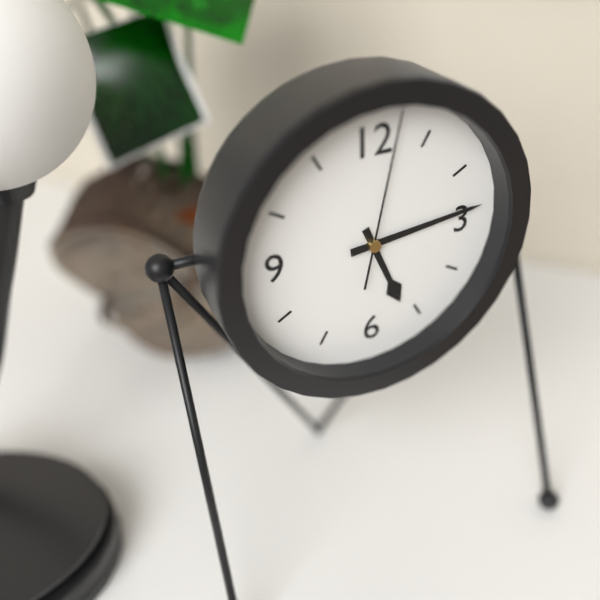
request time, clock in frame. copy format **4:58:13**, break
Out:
**5:14:02**
